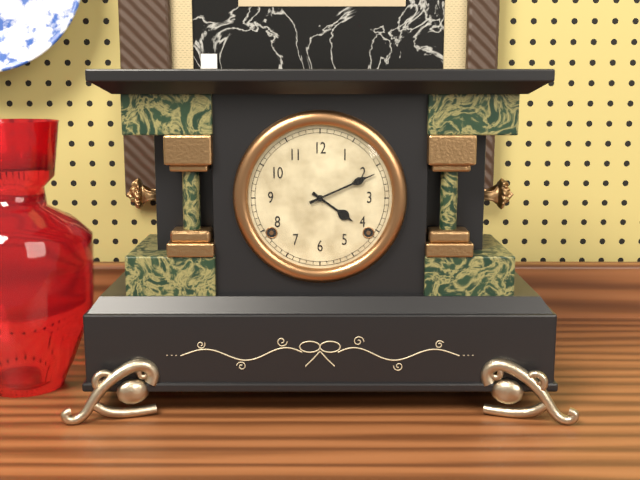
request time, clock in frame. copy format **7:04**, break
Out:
**4:11**
